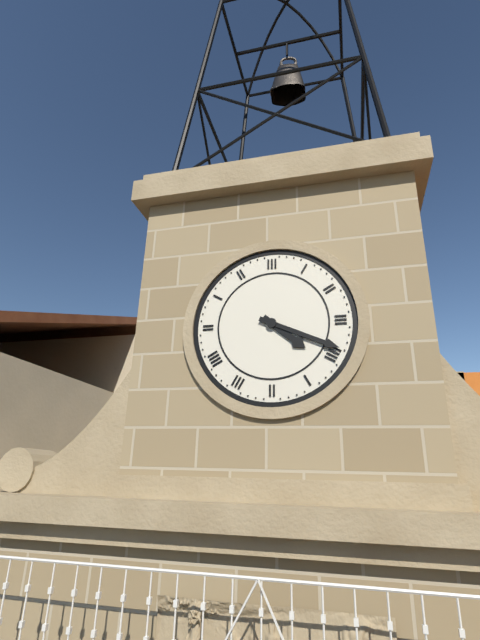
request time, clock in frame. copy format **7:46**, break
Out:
**4:19**
